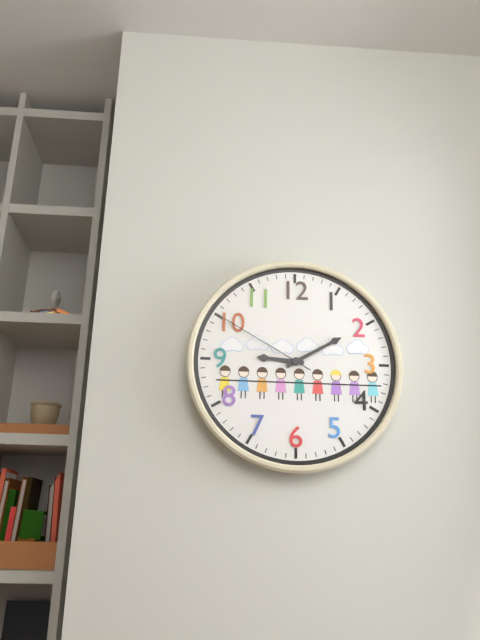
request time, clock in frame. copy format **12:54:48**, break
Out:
**9:10:50**
